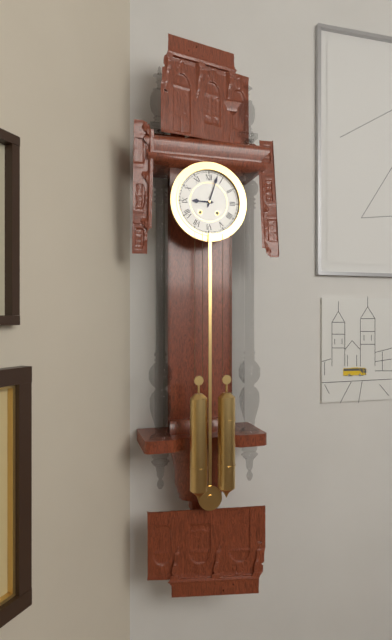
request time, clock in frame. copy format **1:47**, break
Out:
**9:03**
